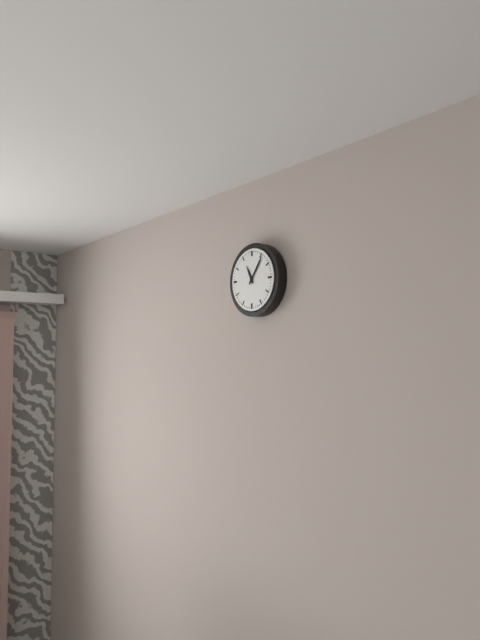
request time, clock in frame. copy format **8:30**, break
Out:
**11:06**
